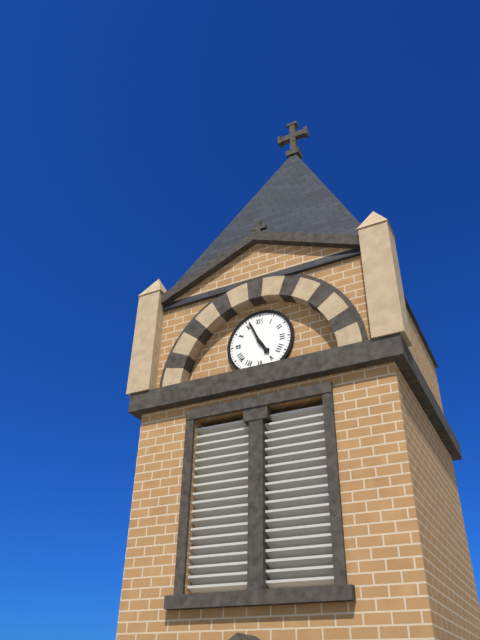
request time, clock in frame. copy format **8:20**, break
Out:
**4:56**
